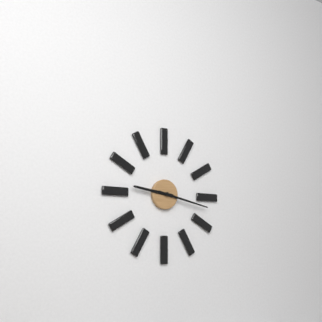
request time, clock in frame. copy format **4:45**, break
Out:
**9:17**
